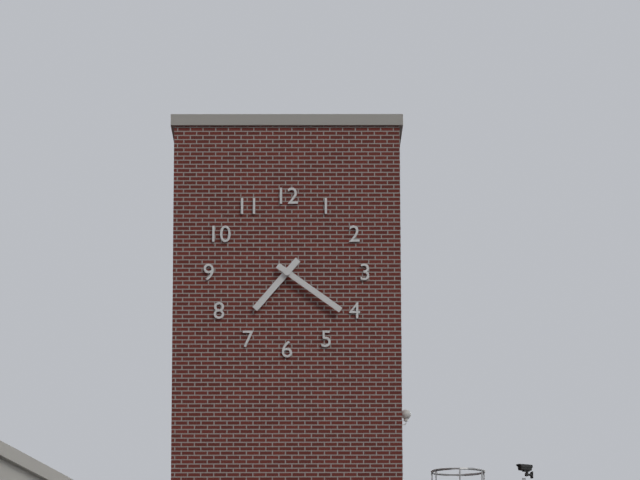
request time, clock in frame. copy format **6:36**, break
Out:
**7:21**
